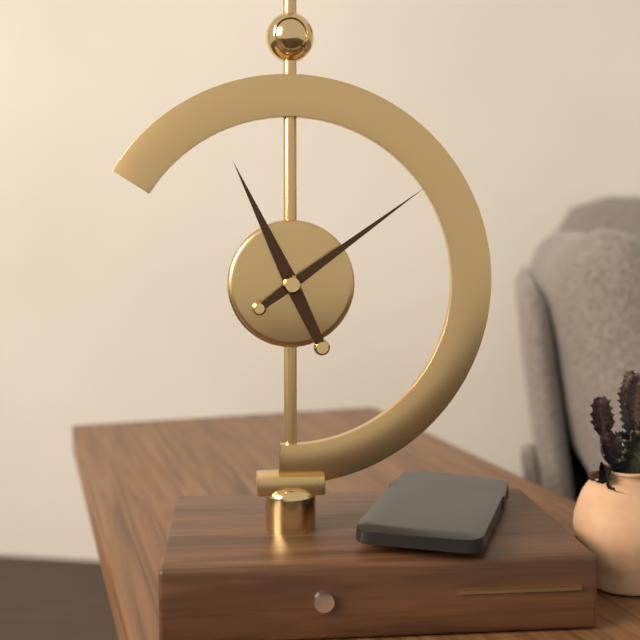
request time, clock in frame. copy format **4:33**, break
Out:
**11:09**
